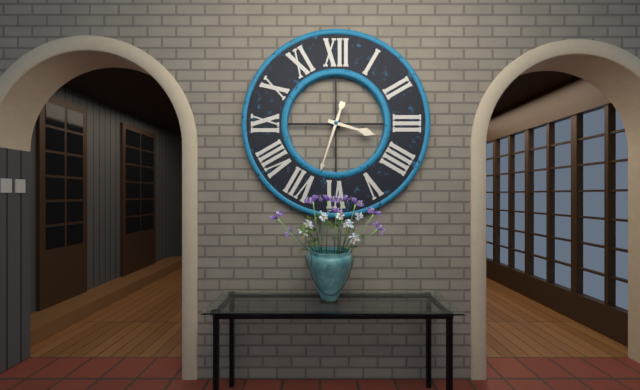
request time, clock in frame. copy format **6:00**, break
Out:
**3:33**
